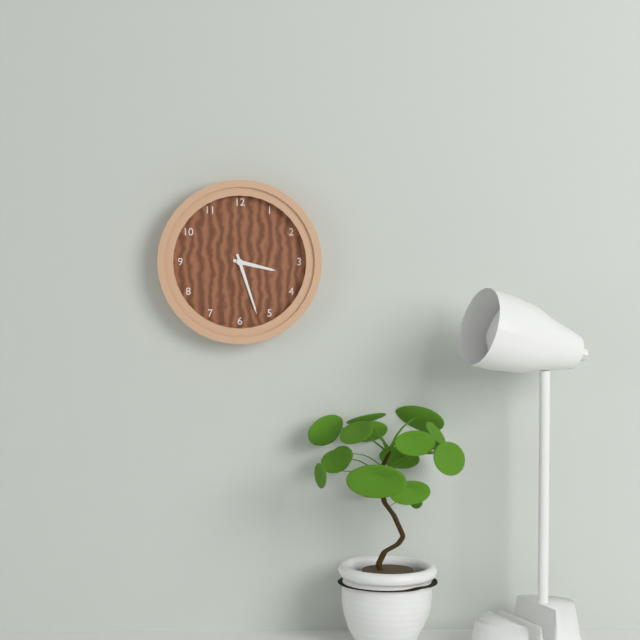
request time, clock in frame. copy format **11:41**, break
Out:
**3:27**
